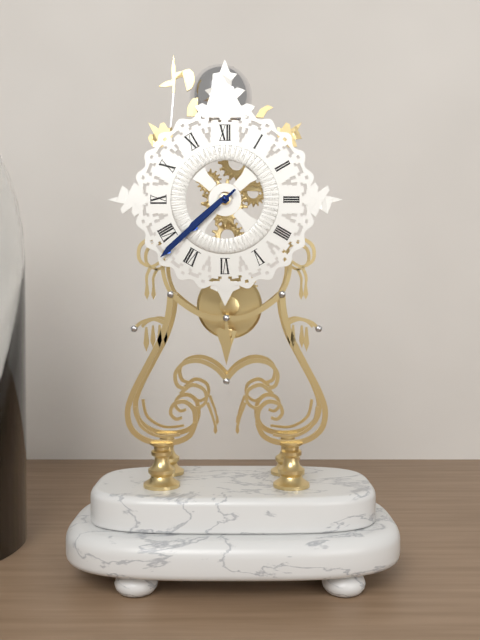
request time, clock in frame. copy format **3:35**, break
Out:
**7:38**
